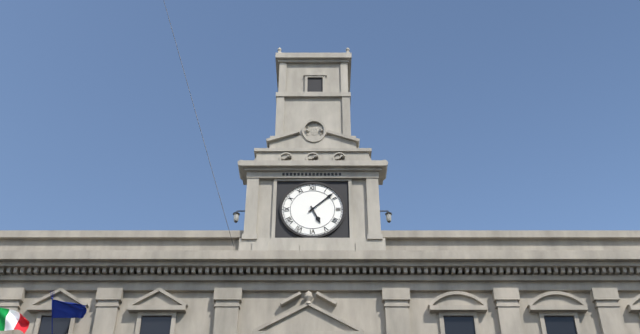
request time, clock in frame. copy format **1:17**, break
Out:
**5:08**
